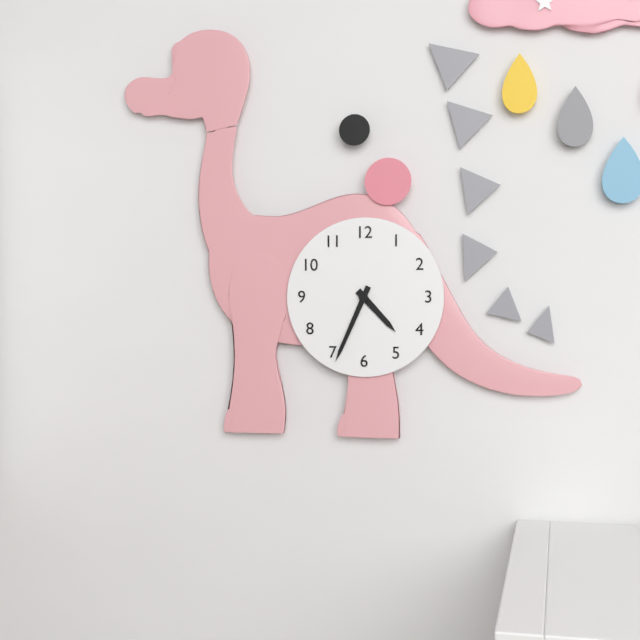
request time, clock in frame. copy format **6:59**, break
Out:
**4:34**
